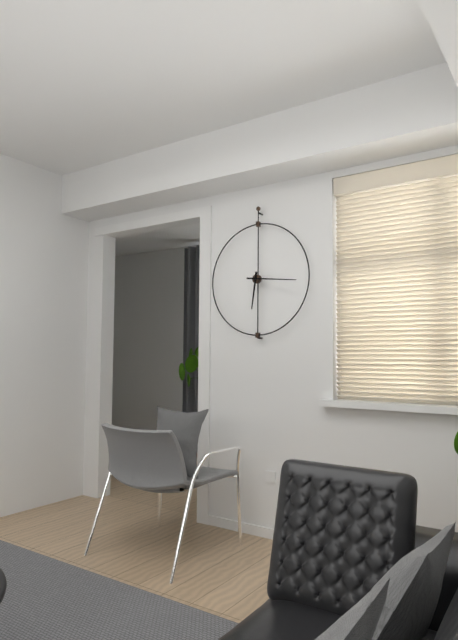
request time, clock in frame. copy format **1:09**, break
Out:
**6:16**
